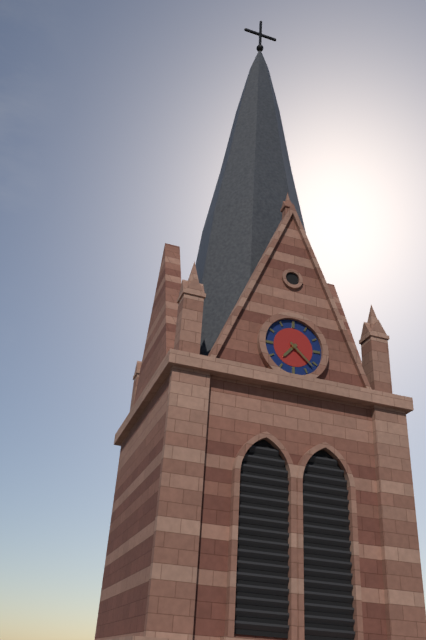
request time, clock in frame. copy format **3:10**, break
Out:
**7:22**
